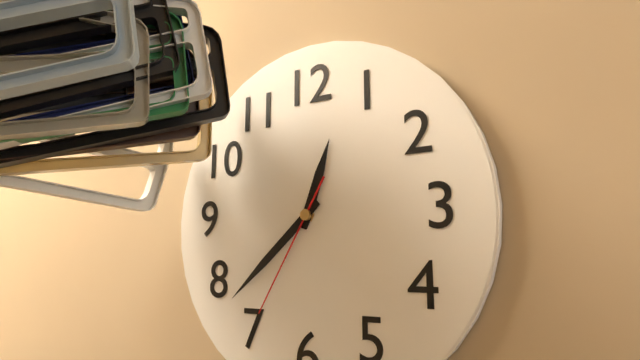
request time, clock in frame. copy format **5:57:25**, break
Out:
**12:38:35**
